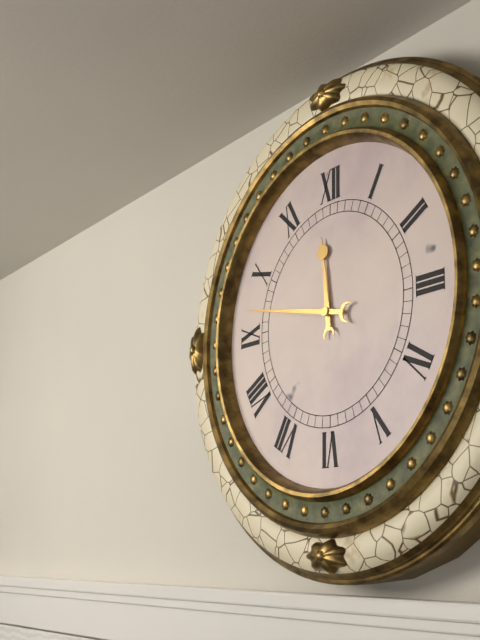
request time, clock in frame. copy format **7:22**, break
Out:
**11:47**
